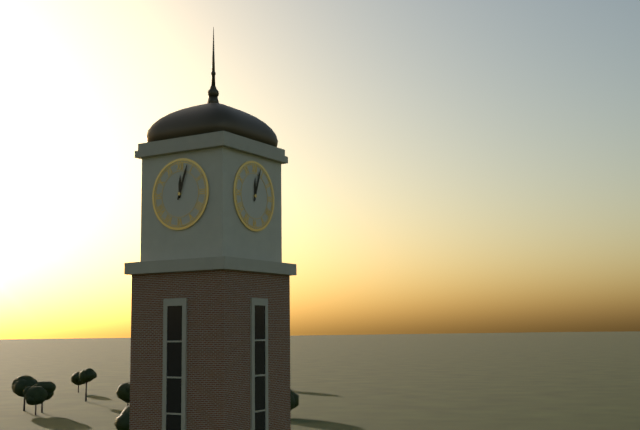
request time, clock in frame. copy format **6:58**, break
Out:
**12:03**
